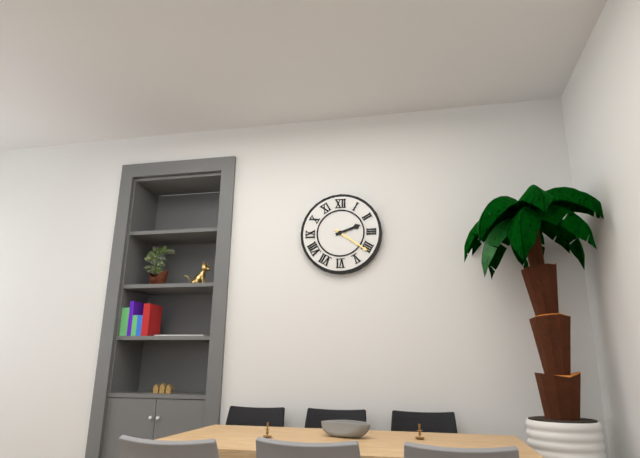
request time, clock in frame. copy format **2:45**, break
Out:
**2:21**
